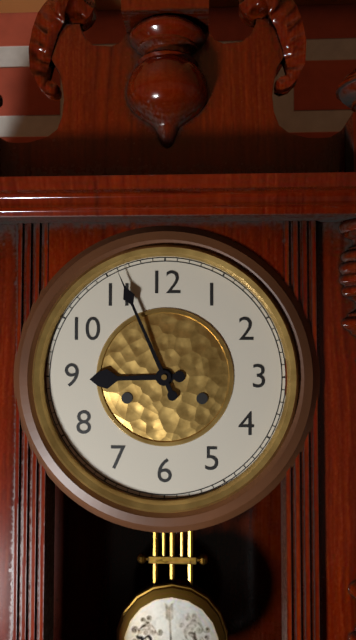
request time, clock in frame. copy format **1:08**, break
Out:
**8:56**
